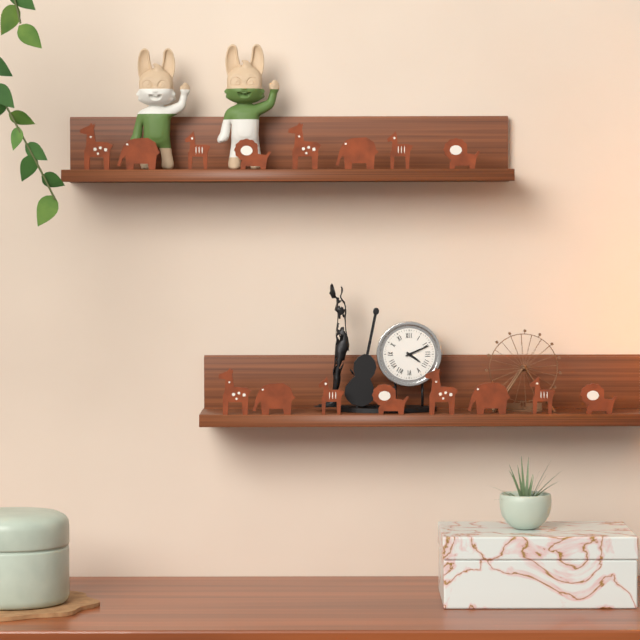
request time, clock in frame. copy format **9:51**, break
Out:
**4:11**
